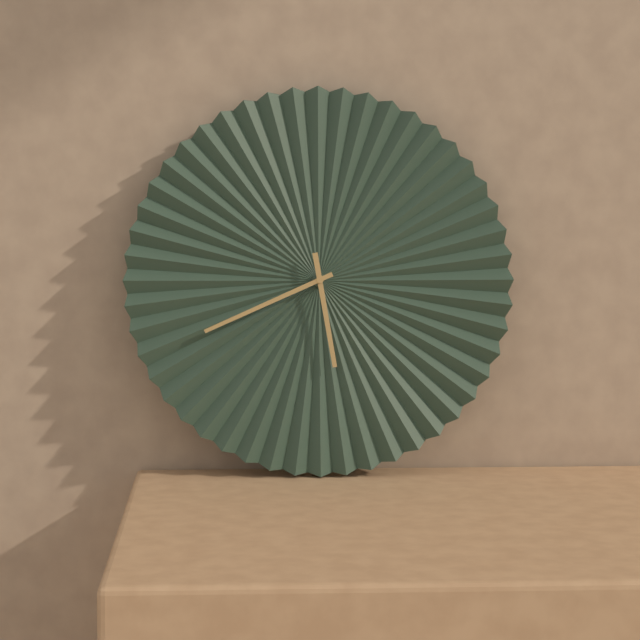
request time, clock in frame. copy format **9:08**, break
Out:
**5:41**
